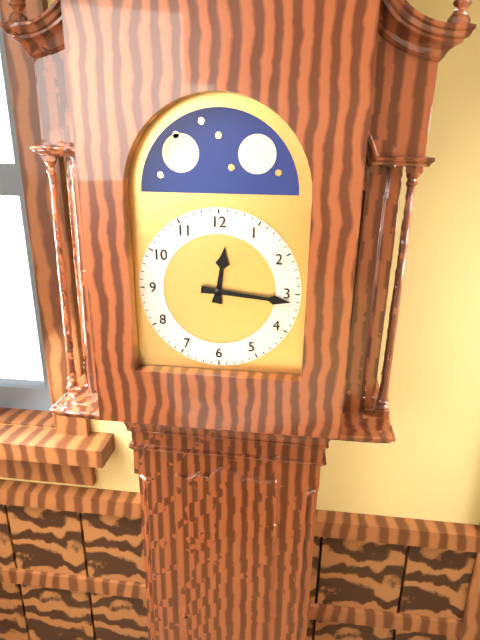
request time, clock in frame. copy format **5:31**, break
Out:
**12:16**
